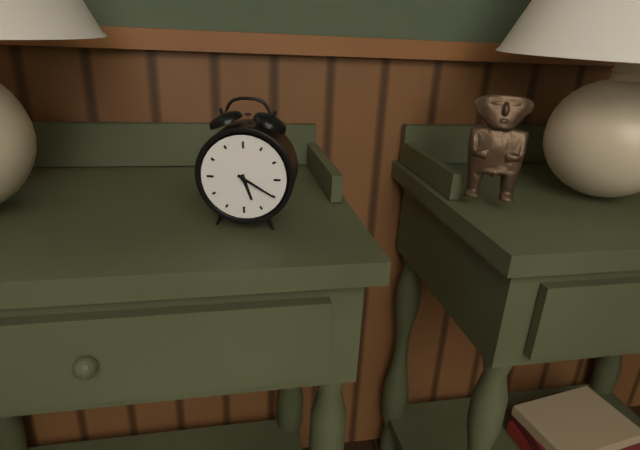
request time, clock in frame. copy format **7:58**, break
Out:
**5:20**
